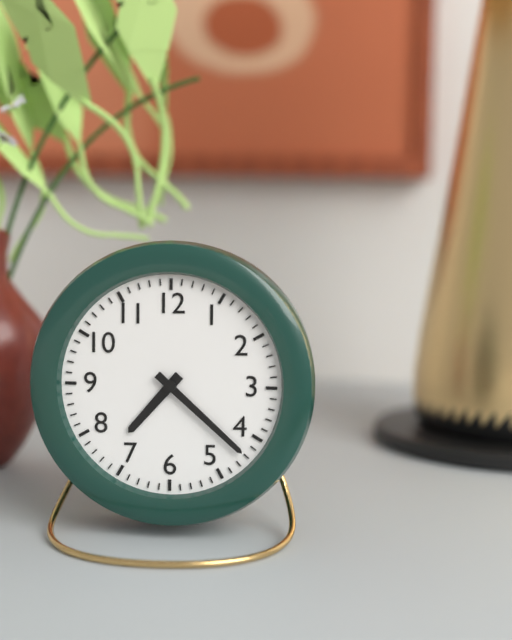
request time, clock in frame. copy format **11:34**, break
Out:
**7:22**
